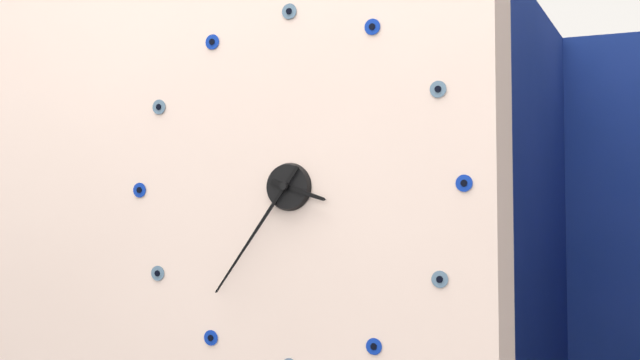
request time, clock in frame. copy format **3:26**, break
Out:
**3:36**
